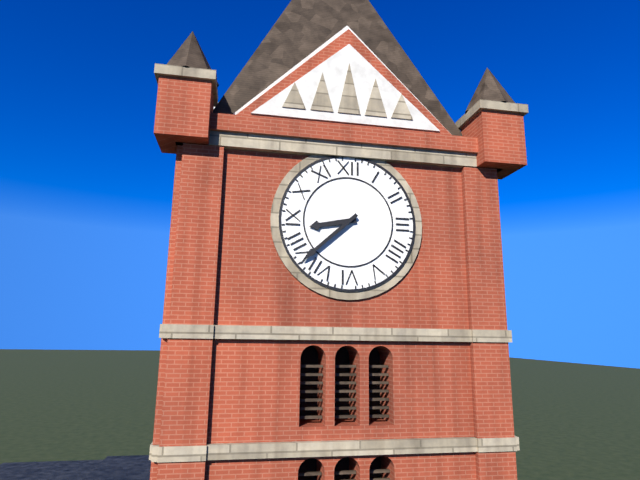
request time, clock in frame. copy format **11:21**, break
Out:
**8:38**
